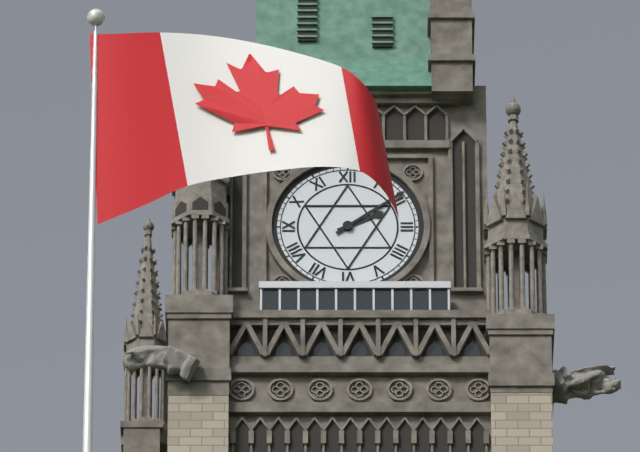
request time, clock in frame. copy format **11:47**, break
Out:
**2:09**
